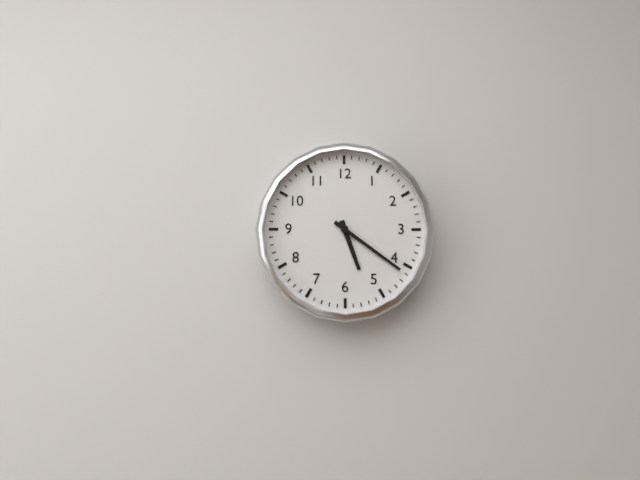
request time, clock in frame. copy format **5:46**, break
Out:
**5:21**
